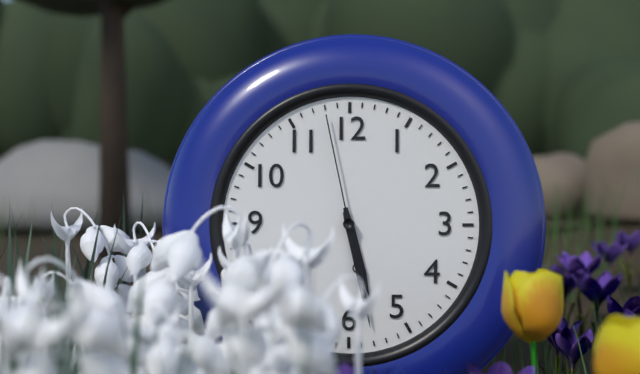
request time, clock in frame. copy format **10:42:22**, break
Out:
**5:28:58**
